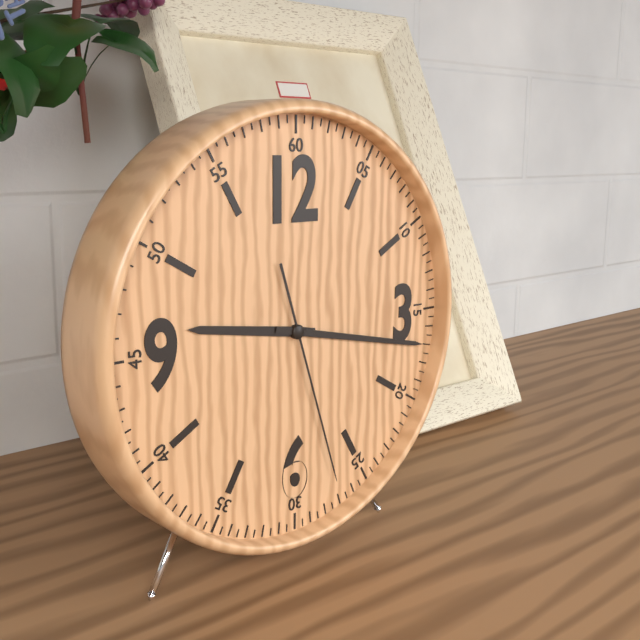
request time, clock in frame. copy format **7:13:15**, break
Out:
**9:17:27**
